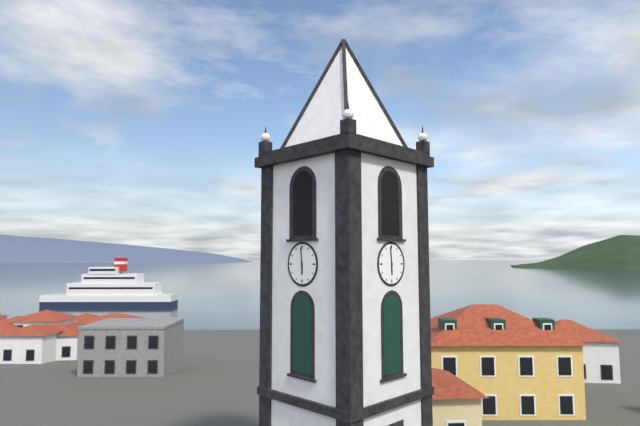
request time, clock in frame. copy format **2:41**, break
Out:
**5:59**
